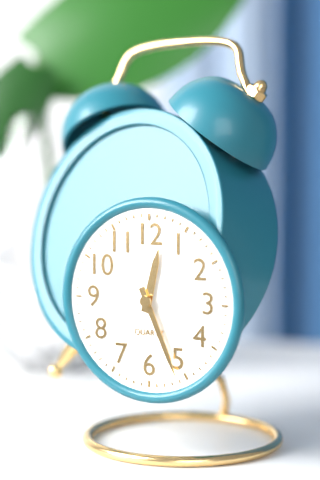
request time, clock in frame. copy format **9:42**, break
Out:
**12:26**
